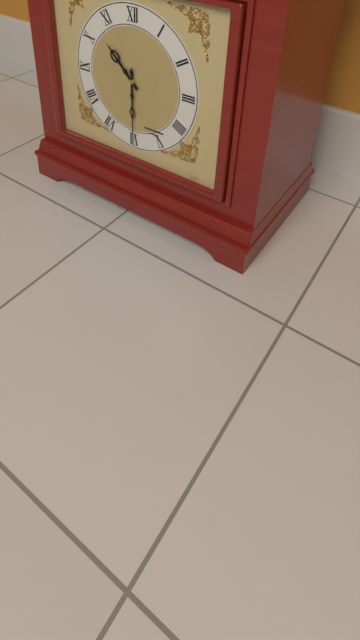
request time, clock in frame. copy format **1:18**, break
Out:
**10:30**
